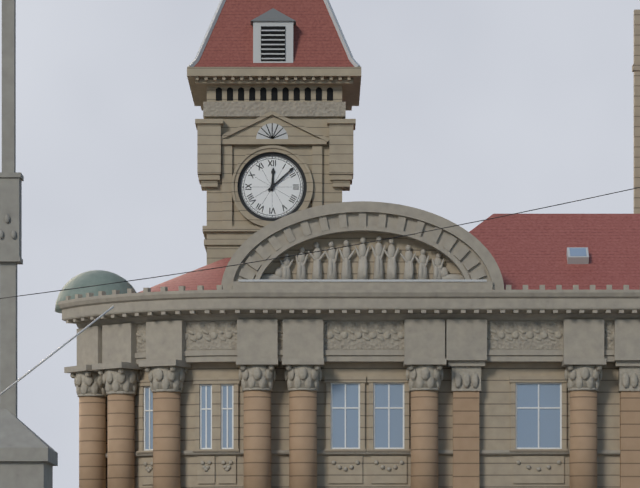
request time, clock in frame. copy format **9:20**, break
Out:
**12:08**
